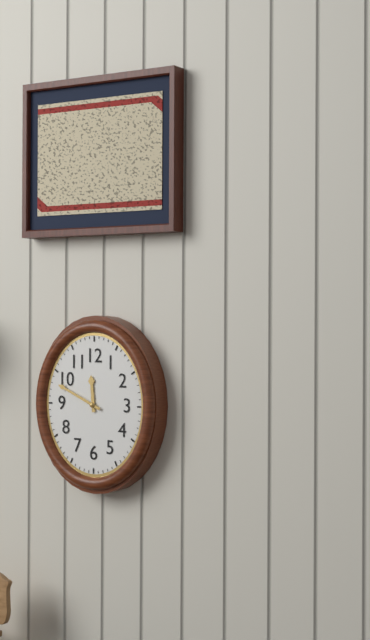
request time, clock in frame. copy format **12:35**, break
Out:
**11:49**
